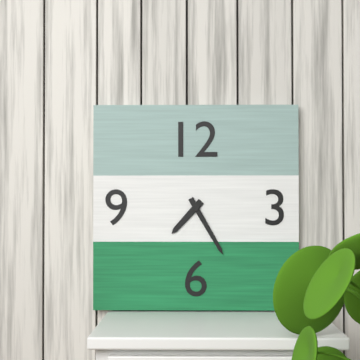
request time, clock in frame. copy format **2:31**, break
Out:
**7:25**
